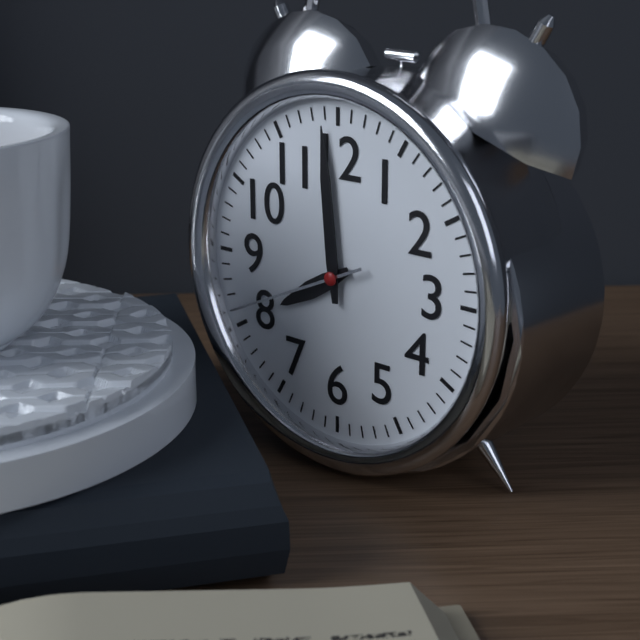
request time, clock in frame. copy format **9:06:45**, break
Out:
**7:59:41**
